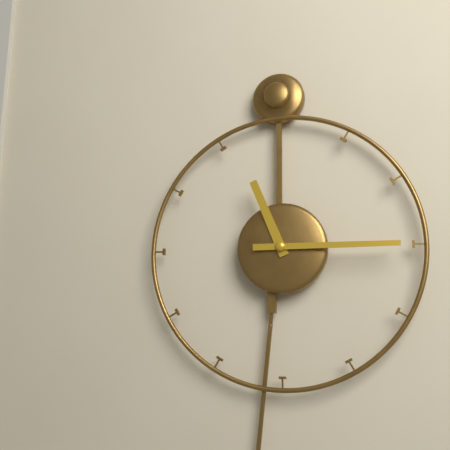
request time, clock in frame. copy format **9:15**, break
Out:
**11:15**
